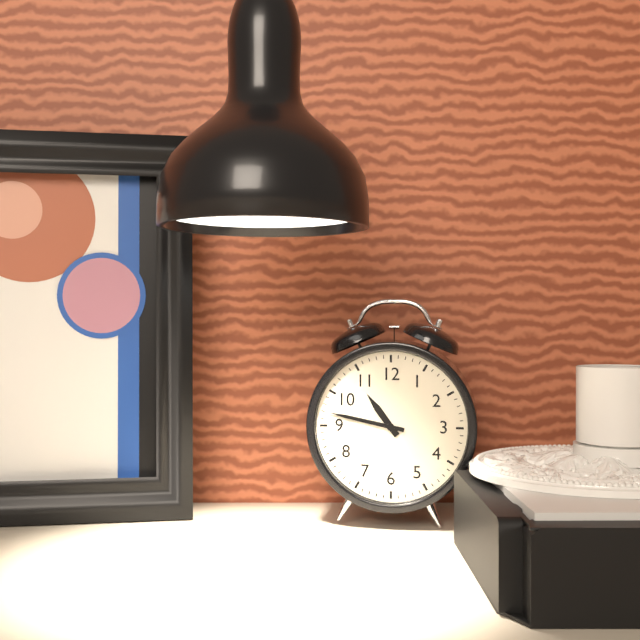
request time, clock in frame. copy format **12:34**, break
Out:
**10:47**
